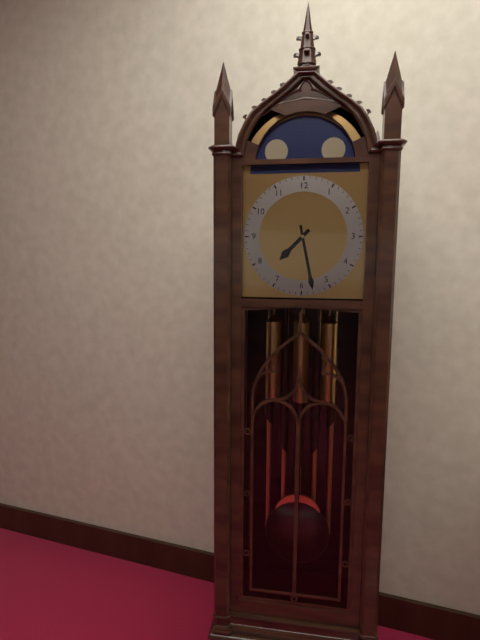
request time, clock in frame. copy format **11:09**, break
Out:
**7:28**
